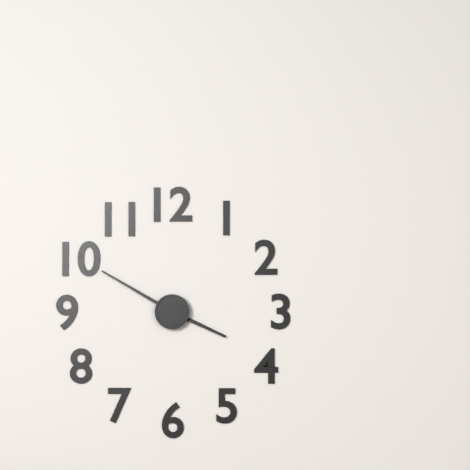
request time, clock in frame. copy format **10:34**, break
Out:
**3:50**
